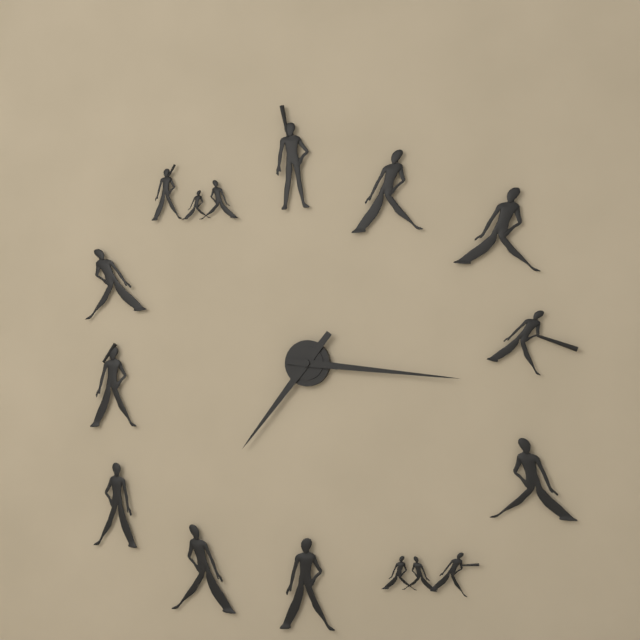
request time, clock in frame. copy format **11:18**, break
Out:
**7:16**
